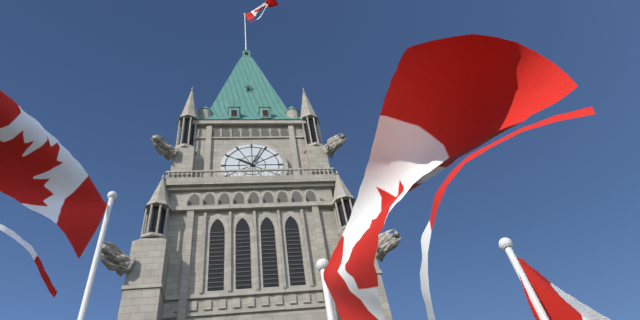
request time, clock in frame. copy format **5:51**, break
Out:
**10:04**
